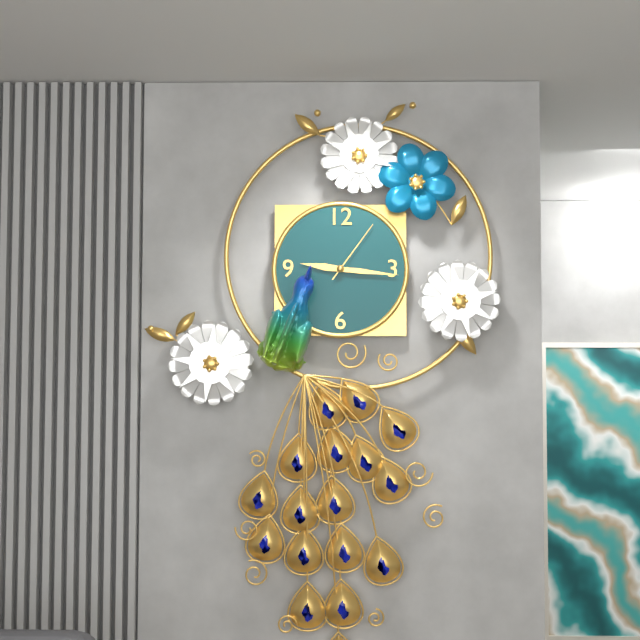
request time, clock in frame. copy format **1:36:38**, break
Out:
**9:16:06**
